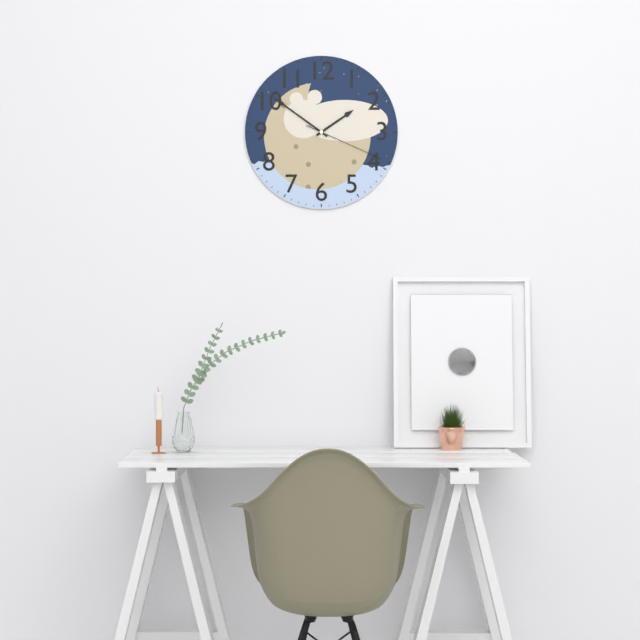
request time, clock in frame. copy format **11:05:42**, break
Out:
**1:51:19**
